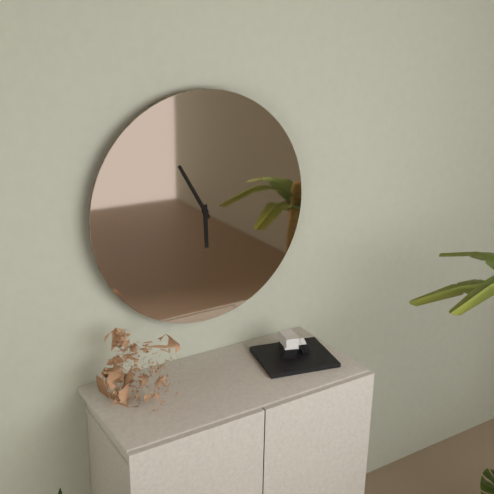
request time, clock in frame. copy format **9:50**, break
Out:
**5:55**
